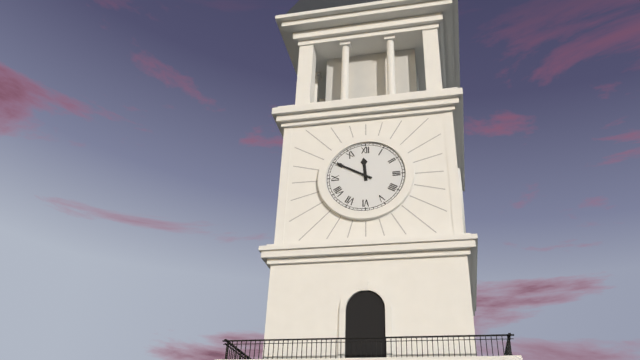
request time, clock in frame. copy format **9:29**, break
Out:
**11:50**
